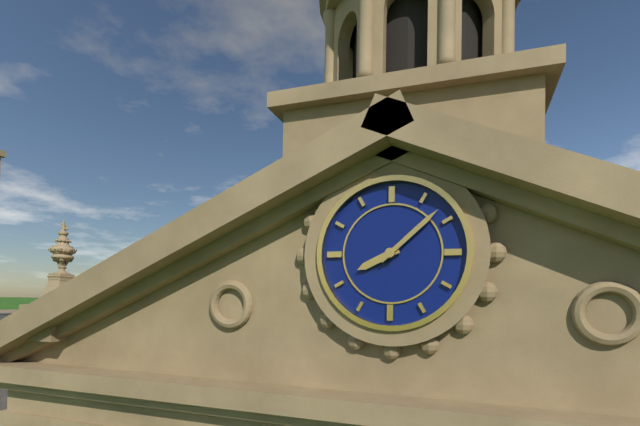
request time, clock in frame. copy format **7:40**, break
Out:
**8:08**
